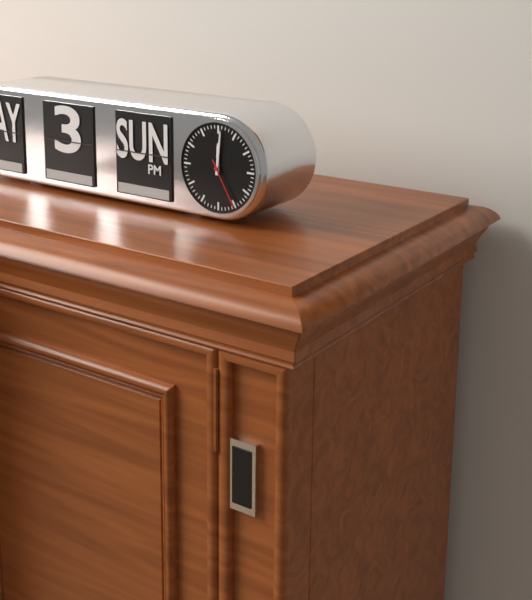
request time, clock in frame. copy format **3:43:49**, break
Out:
**12:01:25**
